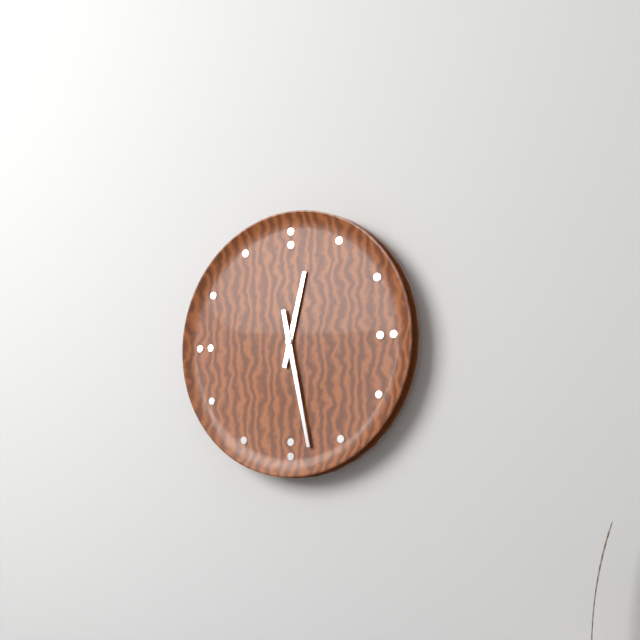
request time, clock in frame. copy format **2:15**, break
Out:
**12:28**
